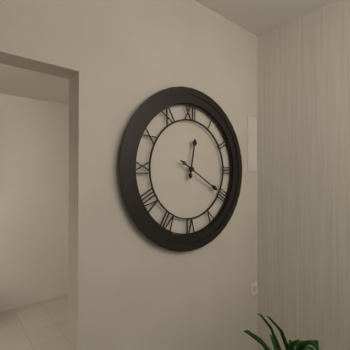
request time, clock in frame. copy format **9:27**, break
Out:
**12:20**
